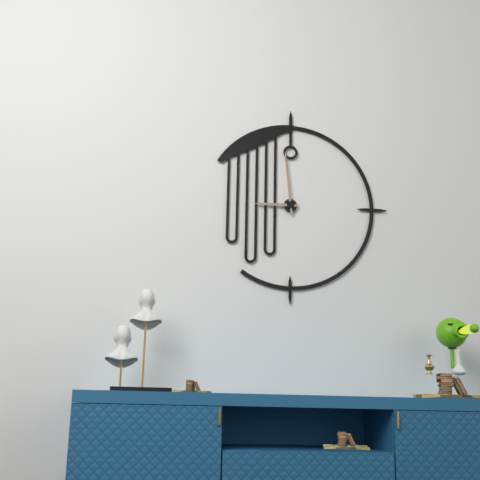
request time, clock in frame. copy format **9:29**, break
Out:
**8:59**
